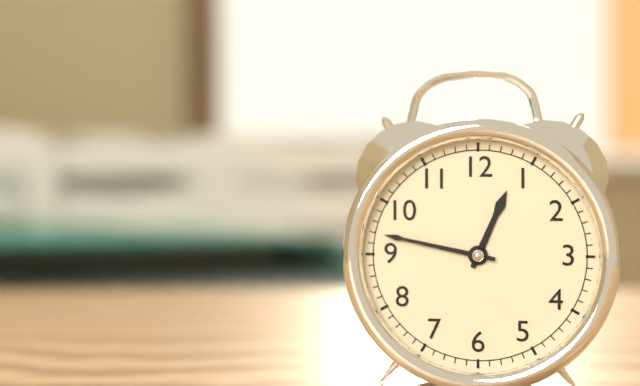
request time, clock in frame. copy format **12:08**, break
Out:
**12:47**
